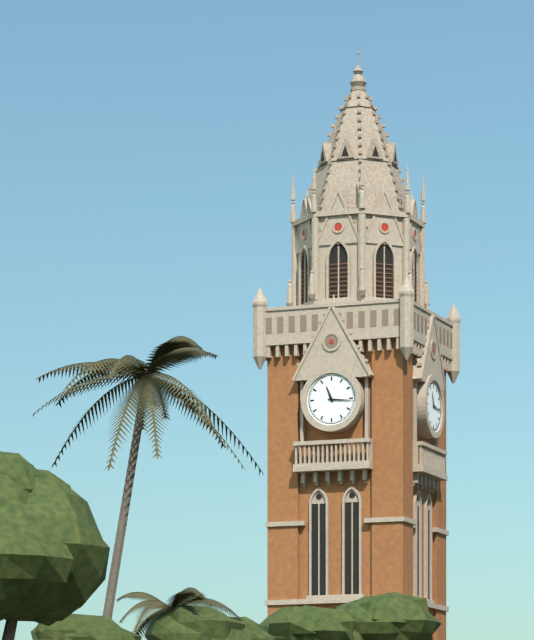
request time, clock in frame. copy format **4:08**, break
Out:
**11:16**
